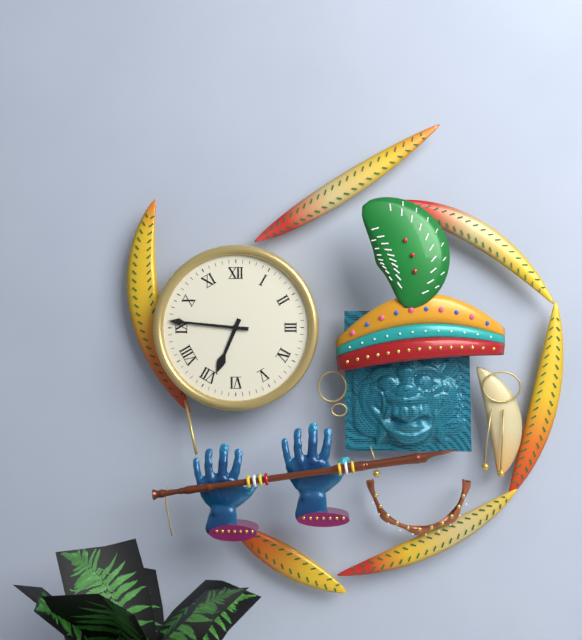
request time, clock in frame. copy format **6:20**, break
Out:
**6:46**
